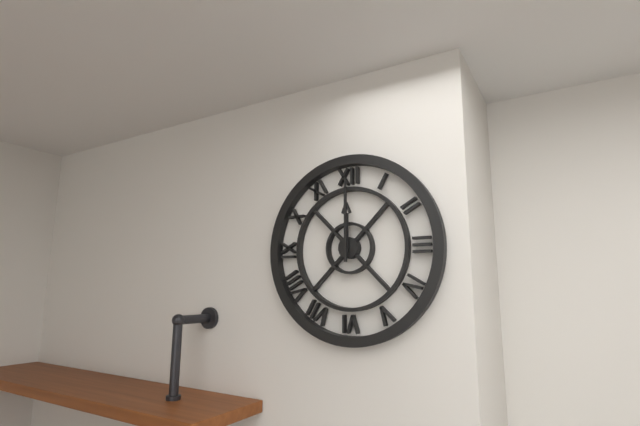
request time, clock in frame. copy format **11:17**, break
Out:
**12:00**
